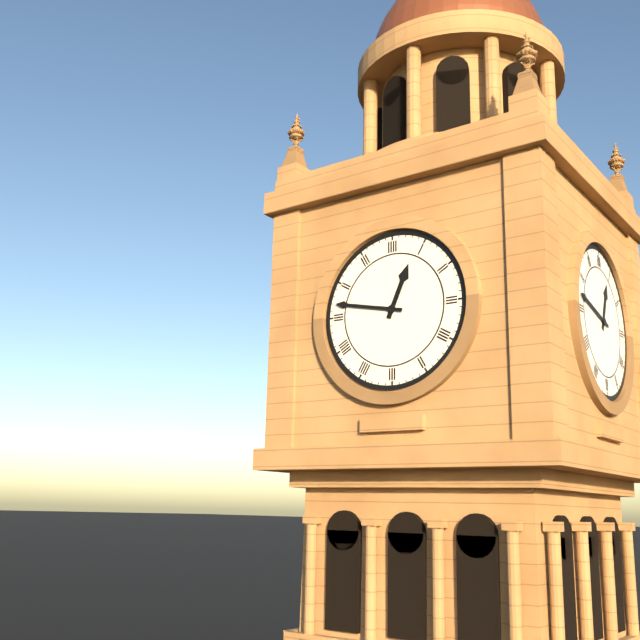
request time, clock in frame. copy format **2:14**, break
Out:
**12:47**
